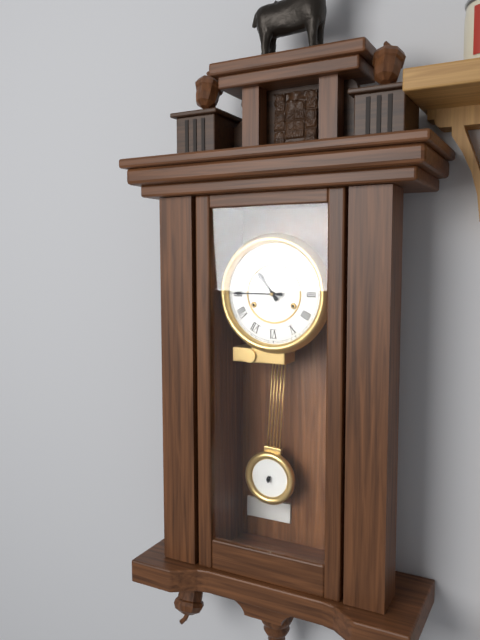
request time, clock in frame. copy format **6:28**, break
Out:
**10:45**
